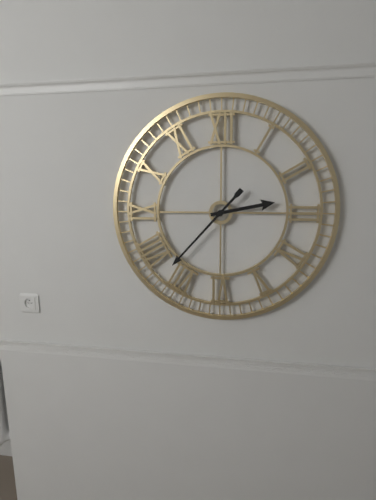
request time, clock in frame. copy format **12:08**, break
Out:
**2:37**
